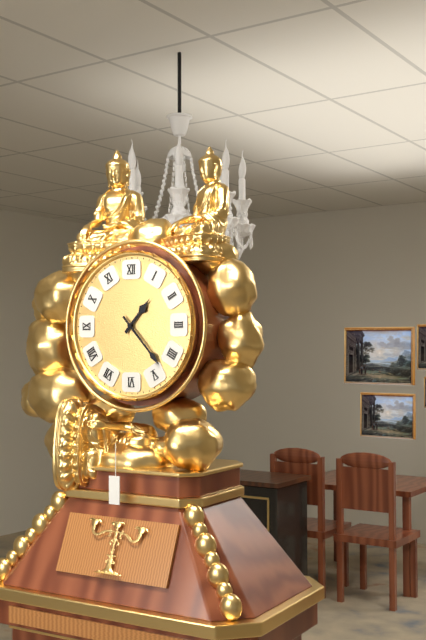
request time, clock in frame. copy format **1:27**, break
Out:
**1:23**
